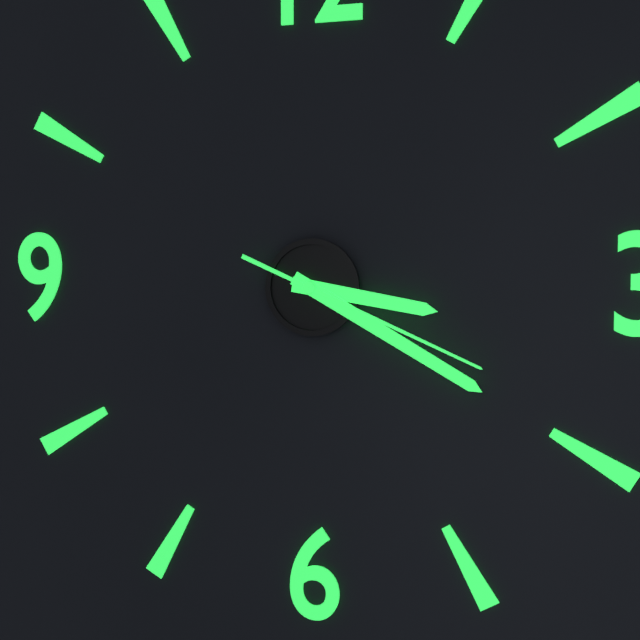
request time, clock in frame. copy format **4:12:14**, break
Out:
**3:20:19**
